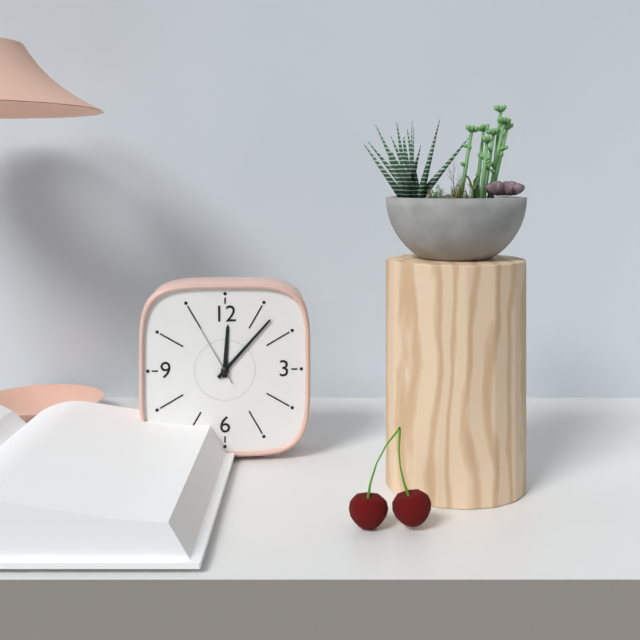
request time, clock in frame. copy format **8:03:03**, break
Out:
**12:07:55**
